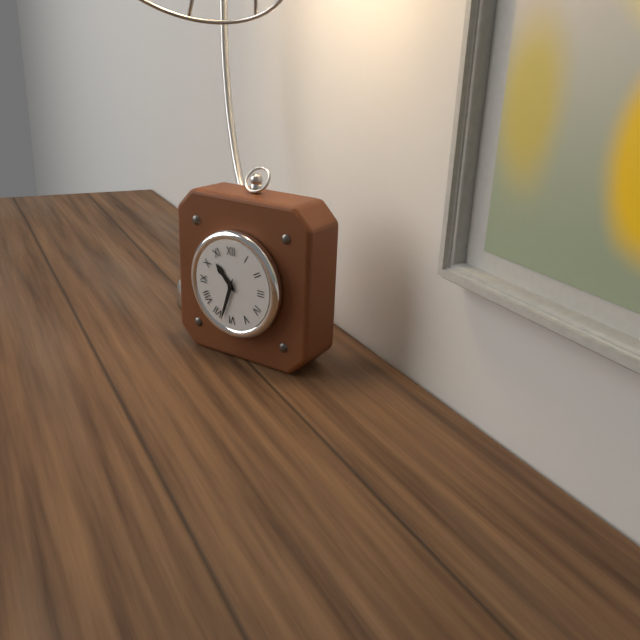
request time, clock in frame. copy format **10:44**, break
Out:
**10:33**
